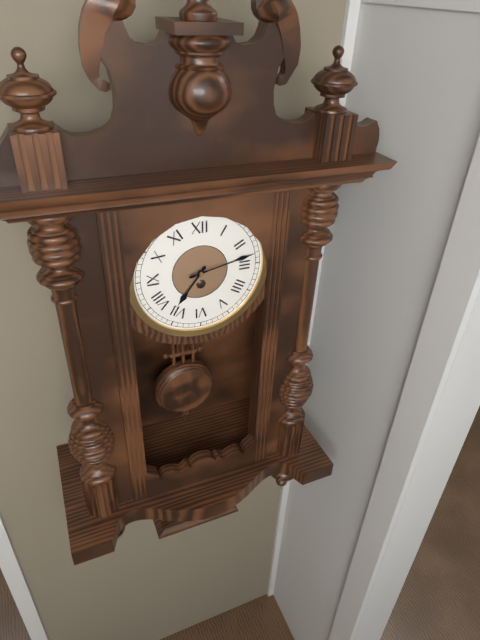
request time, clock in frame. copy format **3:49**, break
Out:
**7:13**
